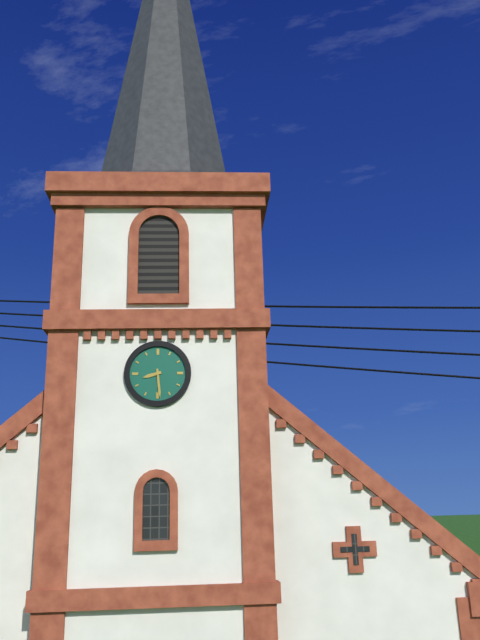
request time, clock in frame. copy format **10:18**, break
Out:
**8:29**
